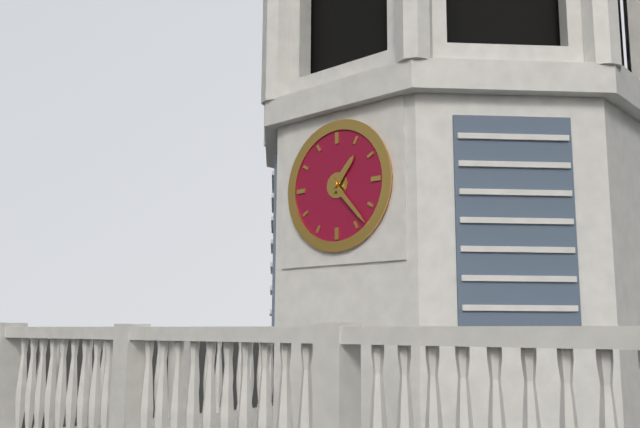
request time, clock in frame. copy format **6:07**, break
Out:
**1:23**
